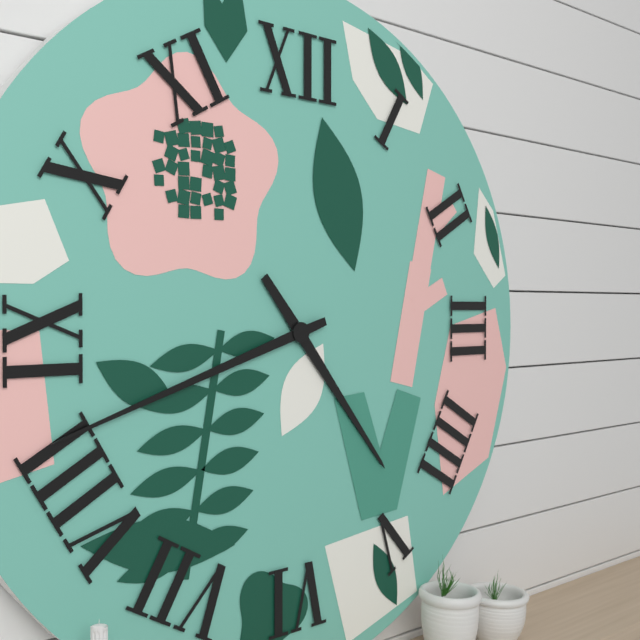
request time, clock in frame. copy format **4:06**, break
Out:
**4:42**
